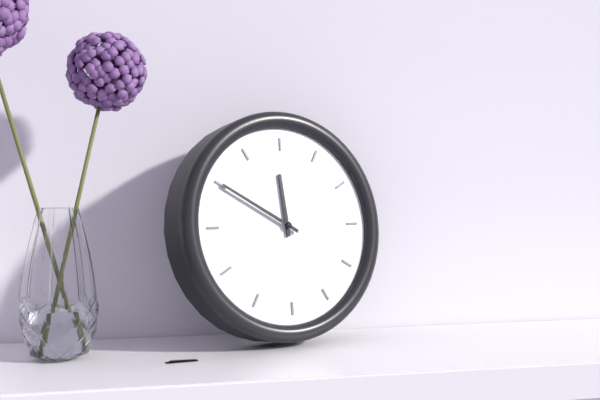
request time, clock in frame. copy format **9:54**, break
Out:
**11:50**
